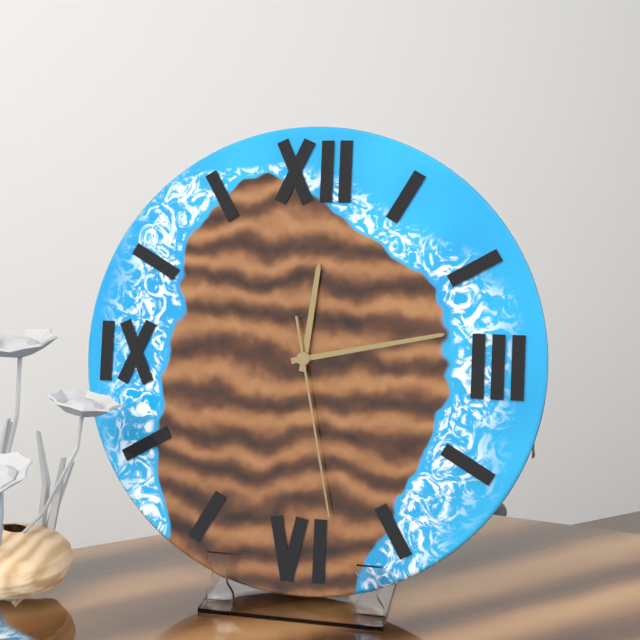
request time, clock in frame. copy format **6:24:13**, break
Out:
**12:13:28**
